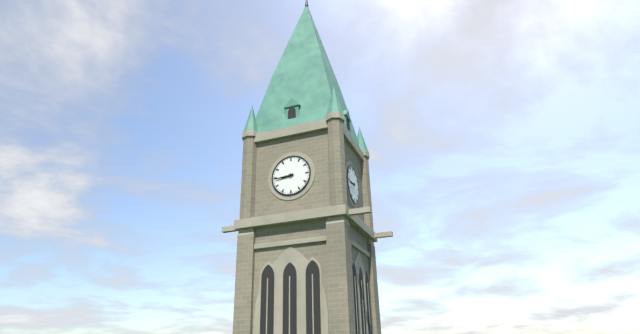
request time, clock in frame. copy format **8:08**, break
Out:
**8:44**
